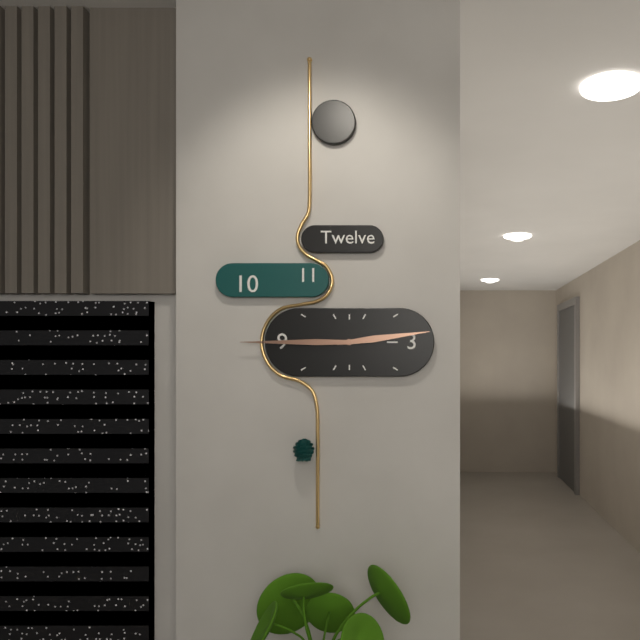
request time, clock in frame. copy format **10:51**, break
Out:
**2:45**
